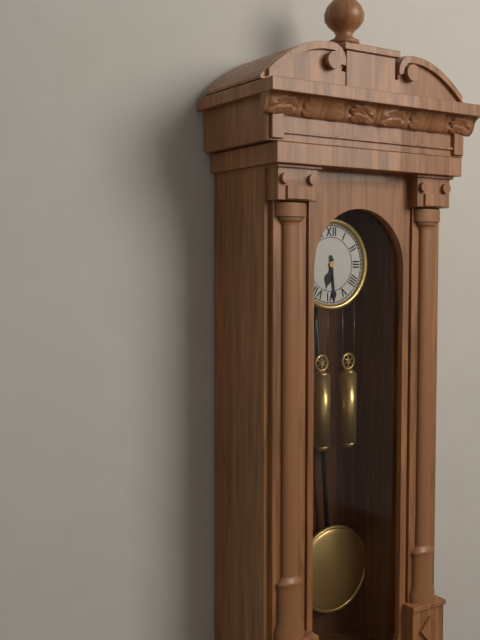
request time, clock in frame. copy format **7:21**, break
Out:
**6:29**
